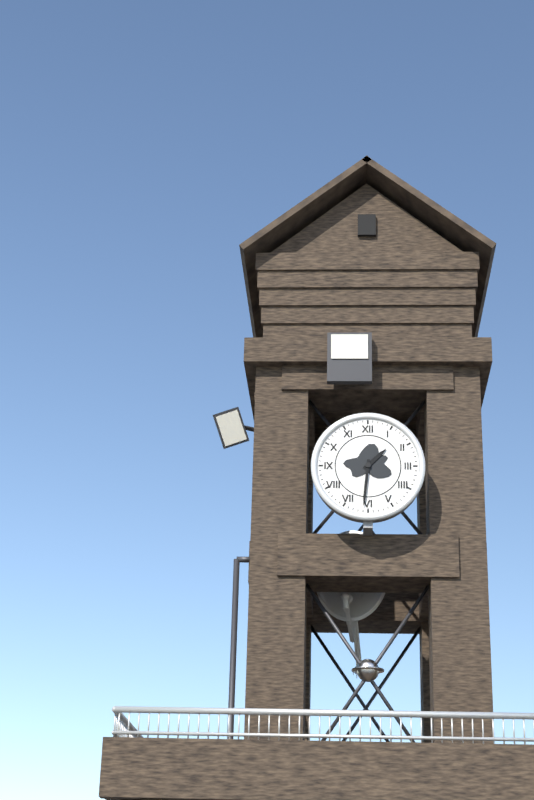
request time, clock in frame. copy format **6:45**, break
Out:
**1:31**
